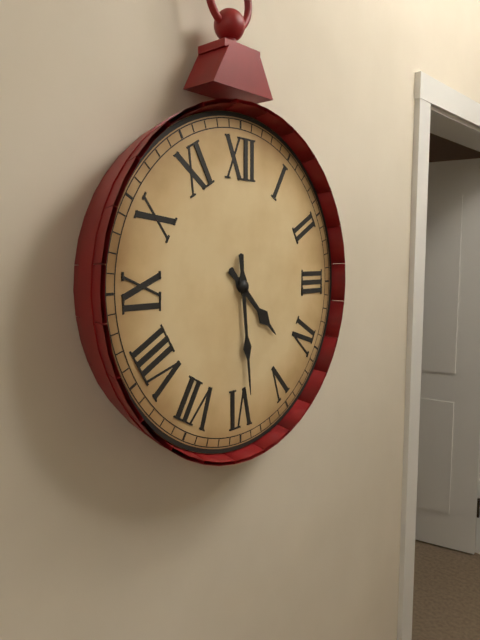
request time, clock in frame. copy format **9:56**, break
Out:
**4:29**
